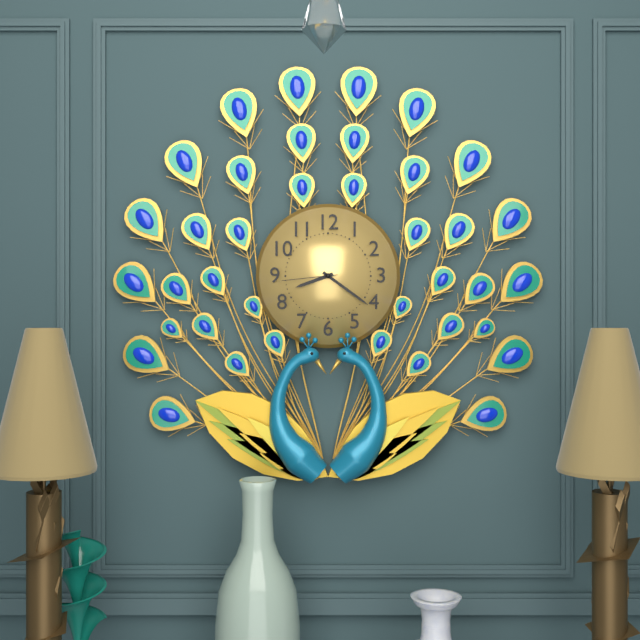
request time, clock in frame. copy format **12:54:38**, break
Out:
**8:21:44**
